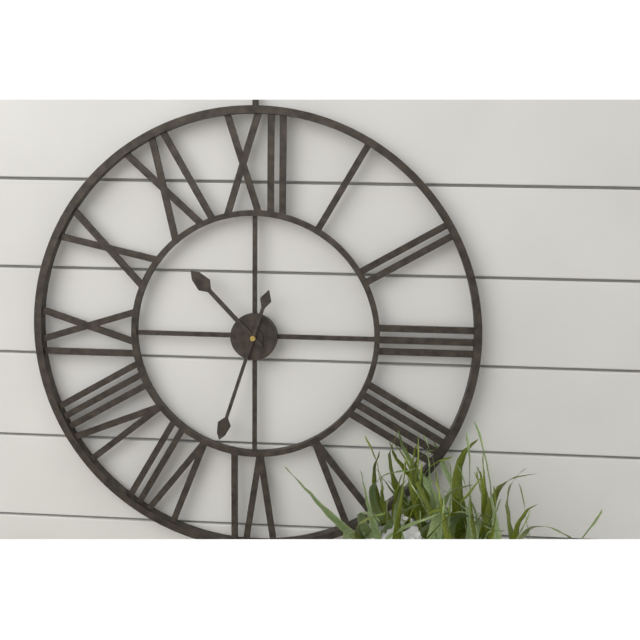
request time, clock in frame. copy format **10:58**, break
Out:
**10:33**
